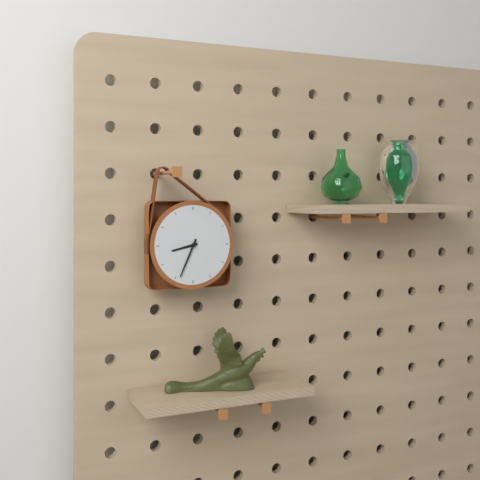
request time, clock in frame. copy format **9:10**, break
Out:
**8:34**
